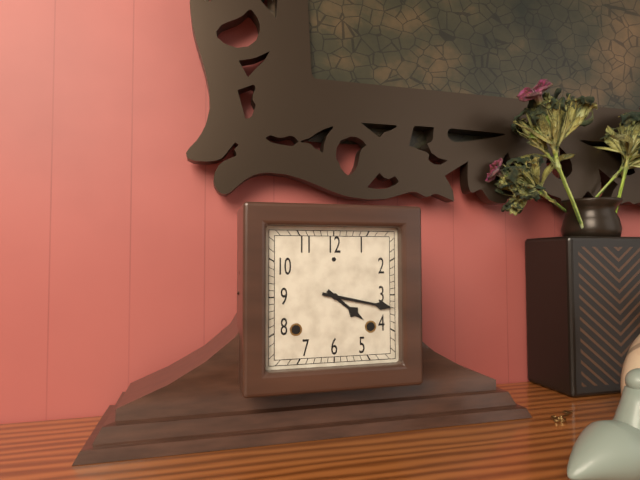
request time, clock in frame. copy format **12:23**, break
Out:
**4:17**
